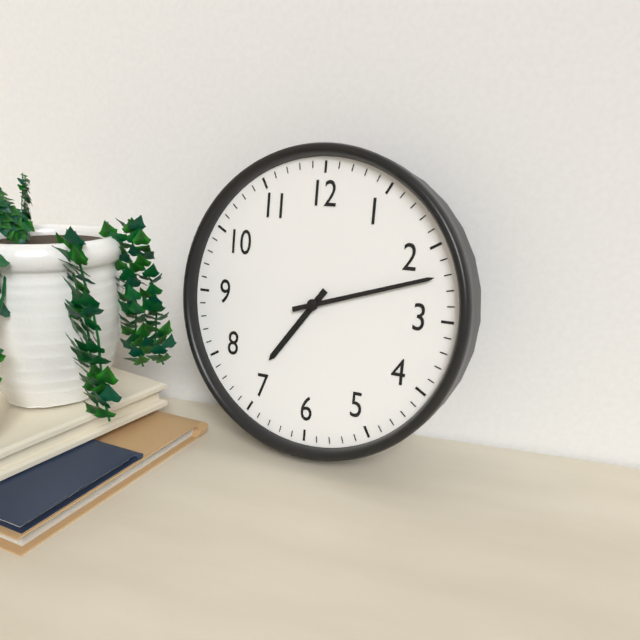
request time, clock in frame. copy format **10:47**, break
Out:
**7:12**
